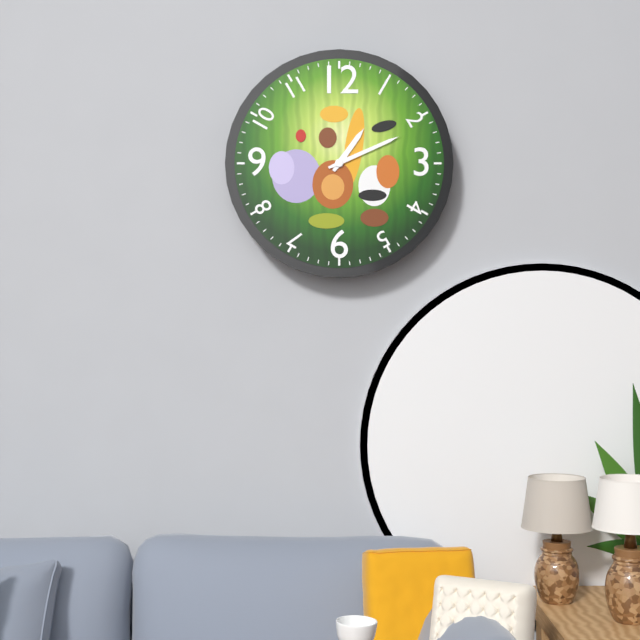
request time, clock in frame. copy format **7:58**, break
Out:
**1:11**
